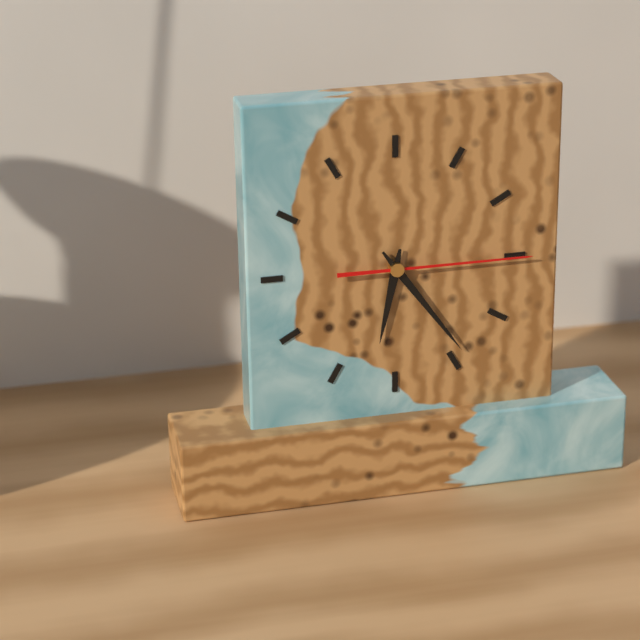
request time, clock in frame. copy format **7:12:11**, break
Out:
**6:24:15**
